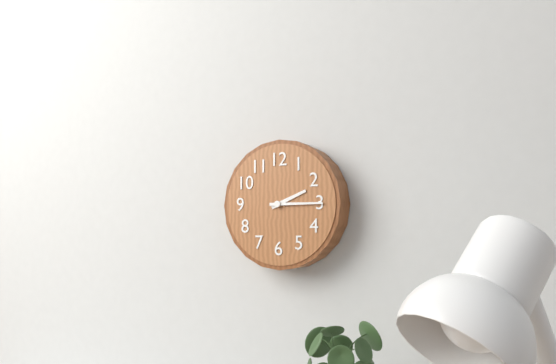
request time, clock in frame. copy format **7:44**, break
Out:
**2:15**
